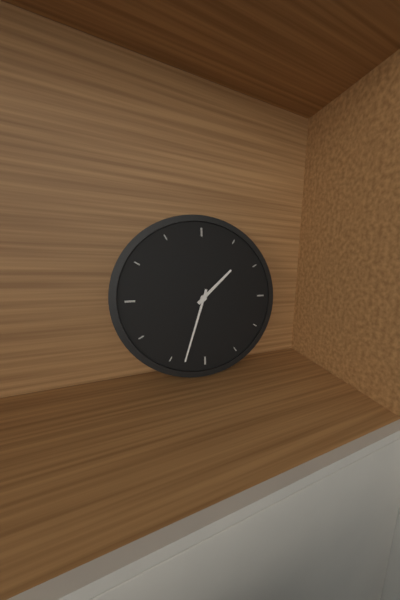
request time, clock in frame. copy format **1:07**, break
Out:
**1:33**
